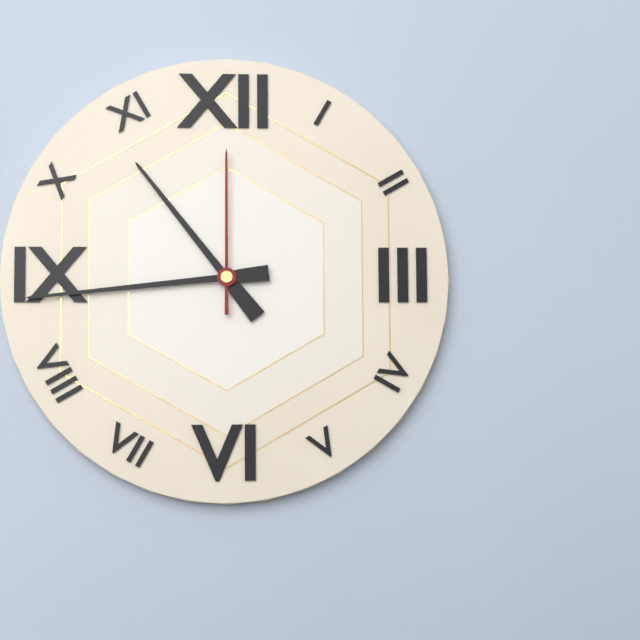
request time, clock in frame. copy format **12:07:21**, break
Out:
**10:44:00**
